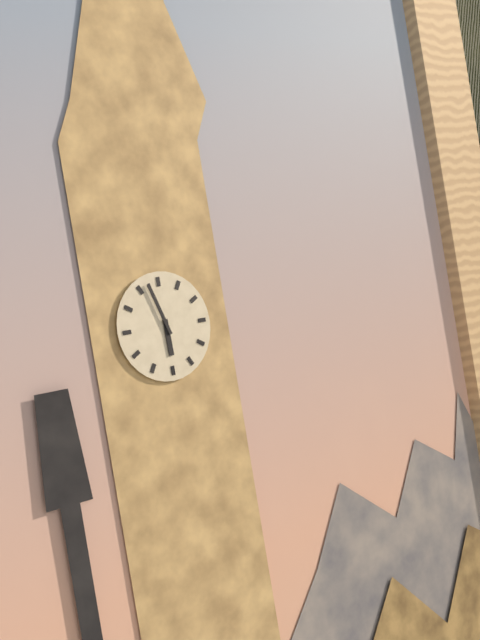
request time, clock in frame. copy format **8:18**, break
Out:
**5:57**
